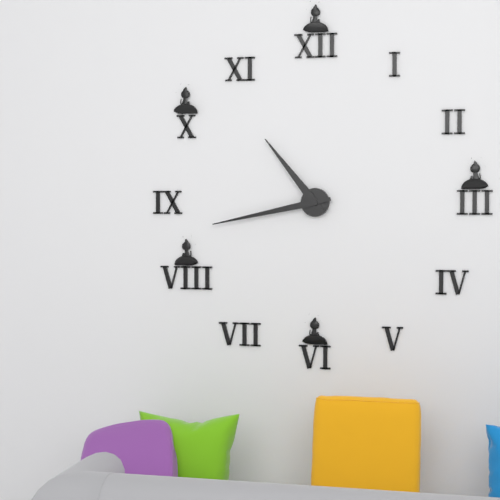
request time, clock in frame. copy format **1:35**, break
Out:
**10:43**
